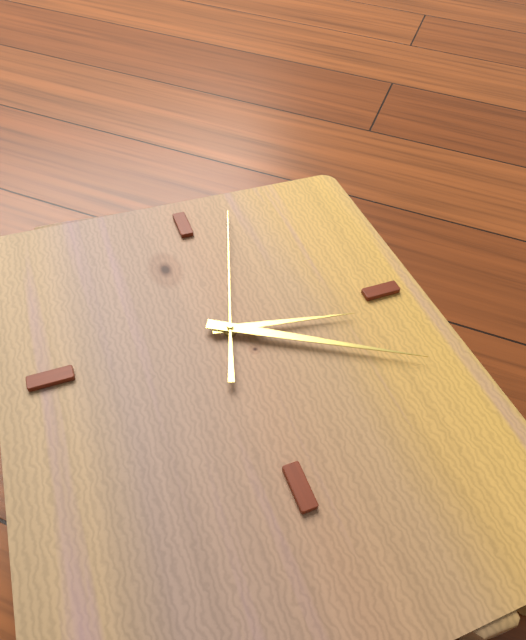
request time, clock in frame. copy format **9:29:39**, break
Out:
**3:20:03**
